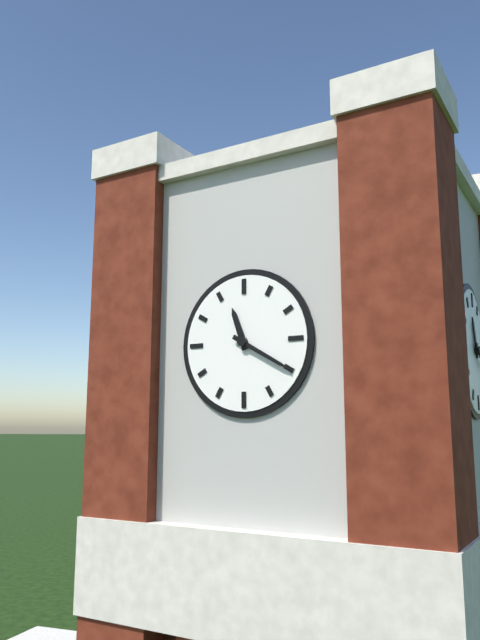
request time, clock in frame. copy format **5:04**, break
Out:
**11:20**
